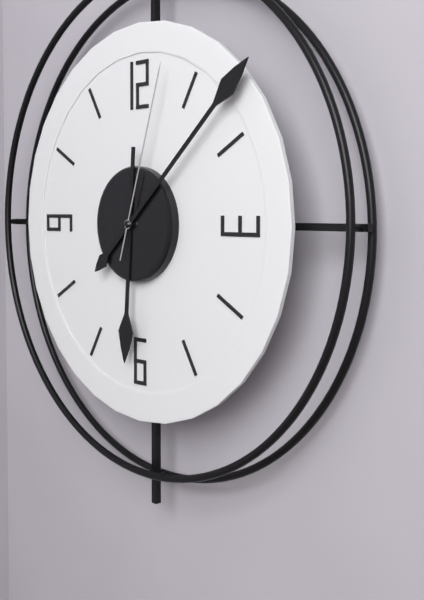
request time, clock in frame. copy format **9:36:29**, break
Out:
**6:08:03**
